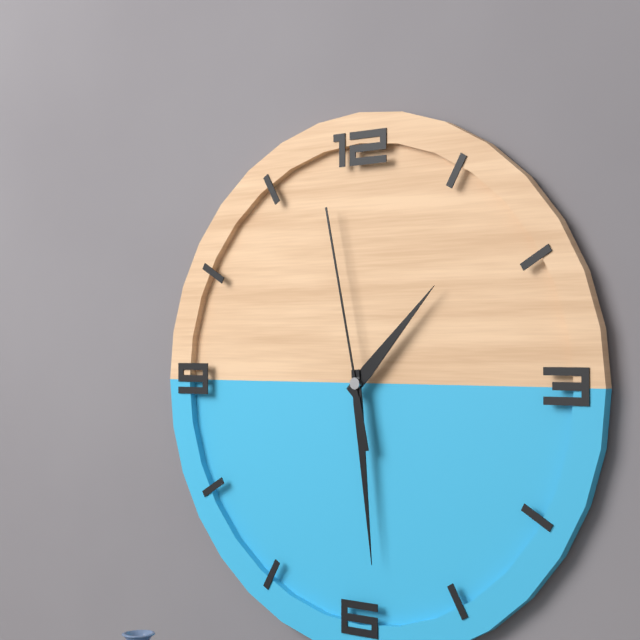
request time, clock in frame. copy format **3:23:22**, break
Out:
**1:29:58**
